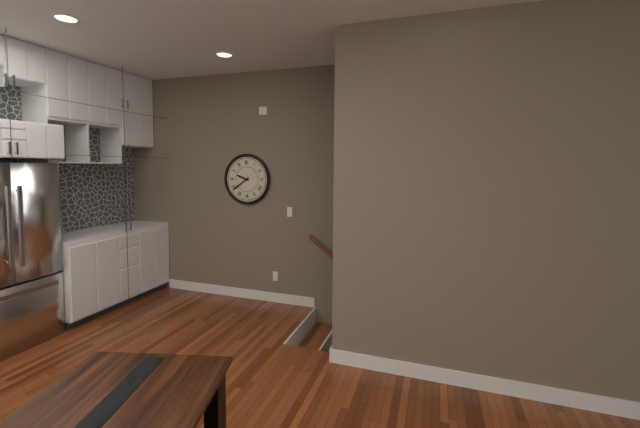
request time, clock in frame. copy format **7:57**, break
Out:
**9:39**
